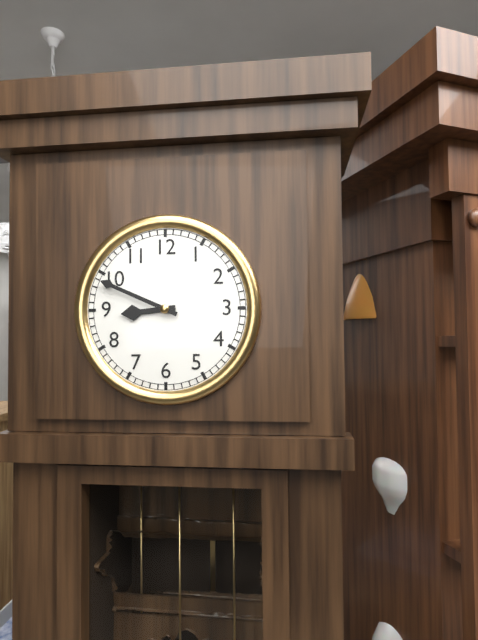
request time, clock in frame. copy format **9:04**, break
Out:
**8:49**
